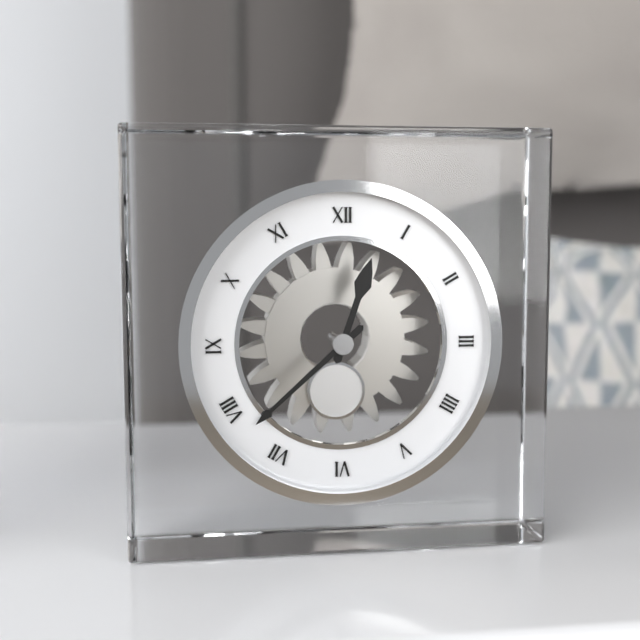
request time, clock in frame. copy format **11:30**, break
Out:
**12:38**
